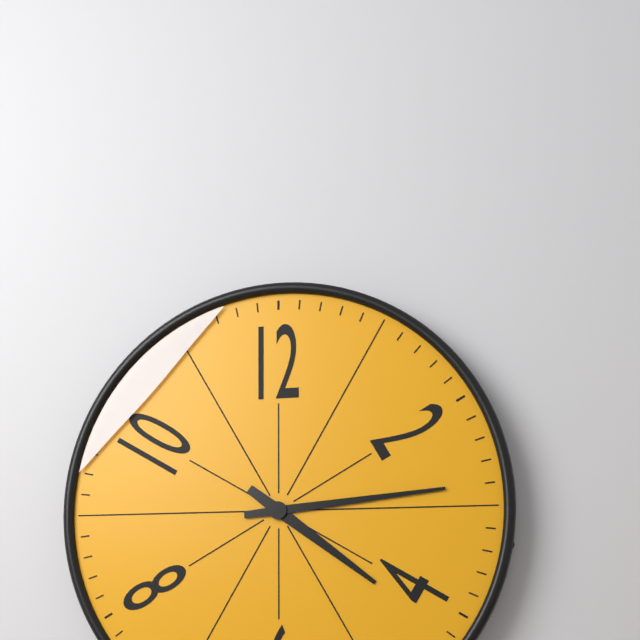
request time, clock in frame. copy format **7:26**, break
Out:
**4:14**
